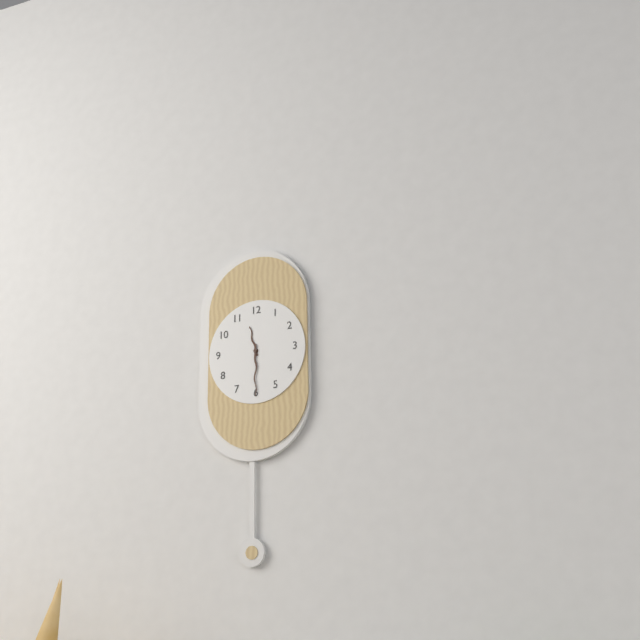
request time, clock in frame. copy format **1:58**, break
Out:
**11:30**
